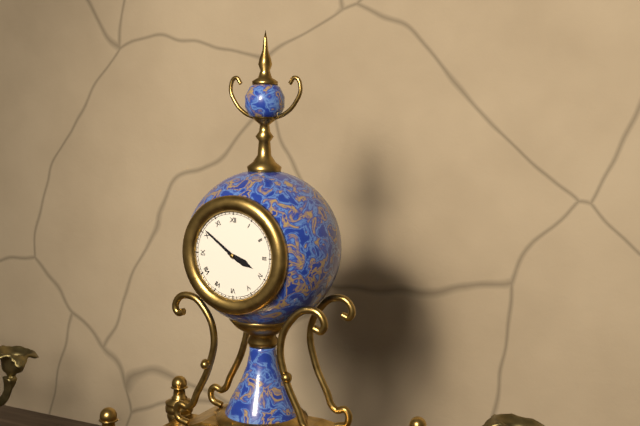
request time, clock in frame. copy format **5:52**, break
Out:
**3:51**
